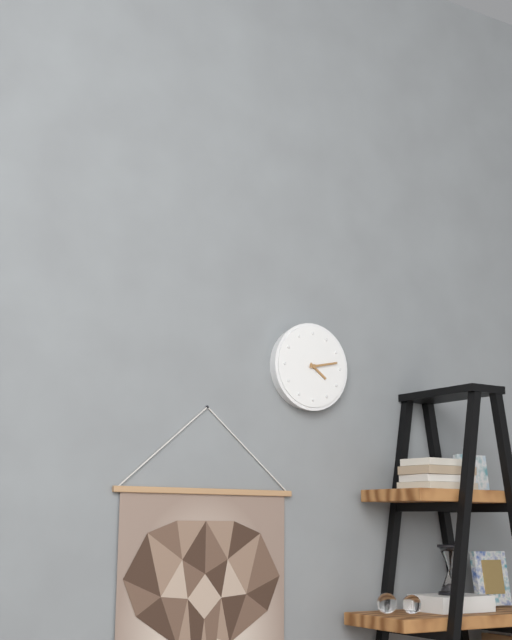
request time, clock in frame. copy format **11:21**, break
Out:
**4:13**
